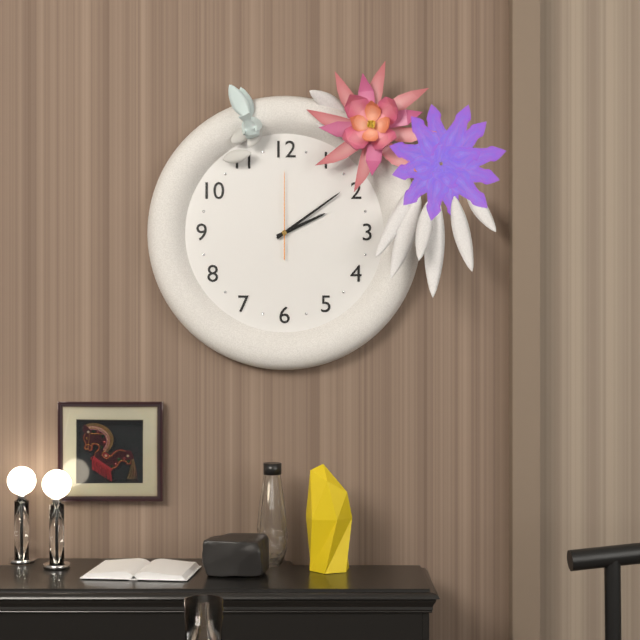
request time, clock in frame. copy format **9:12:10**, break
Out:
**2:09:00**
